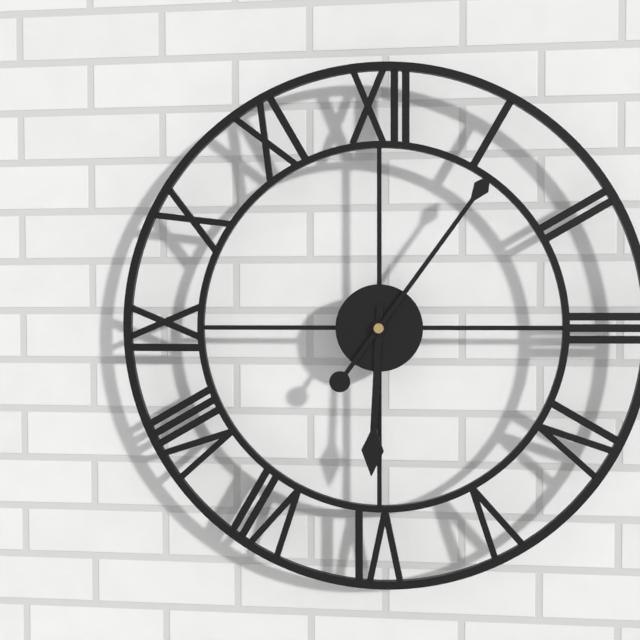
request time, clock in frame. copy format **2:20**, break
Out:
**6:06**
